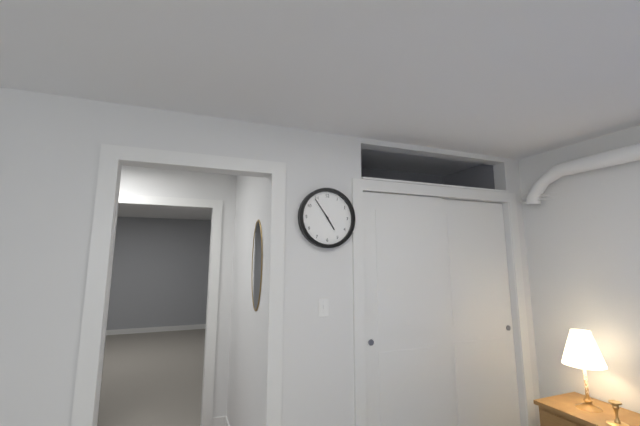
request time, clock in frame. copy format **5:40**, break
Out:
**4:54**
